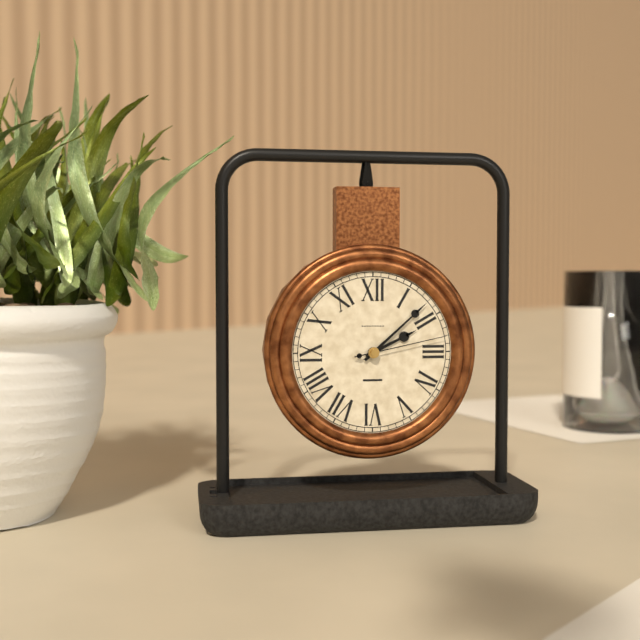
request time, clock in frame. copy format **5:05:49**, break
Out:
**2:08:13**
